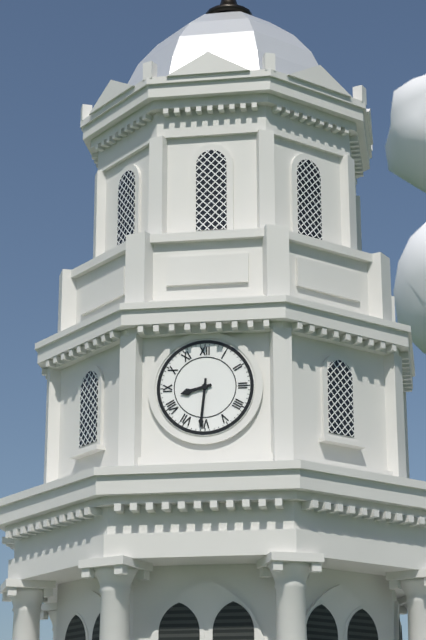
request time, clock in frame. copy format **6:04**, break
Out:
**8:31**
